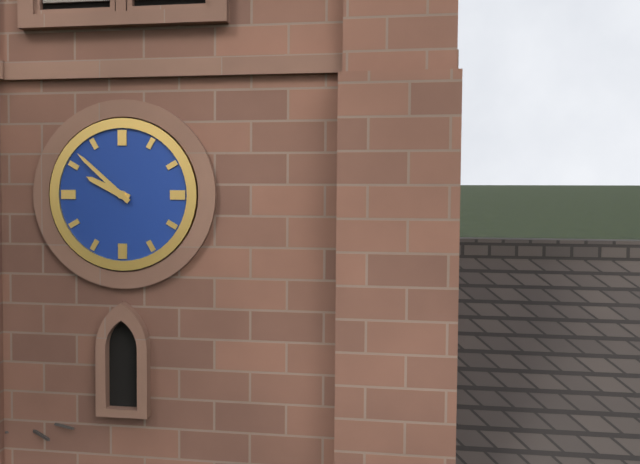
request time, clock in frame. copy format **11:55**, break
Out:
**9:52**
